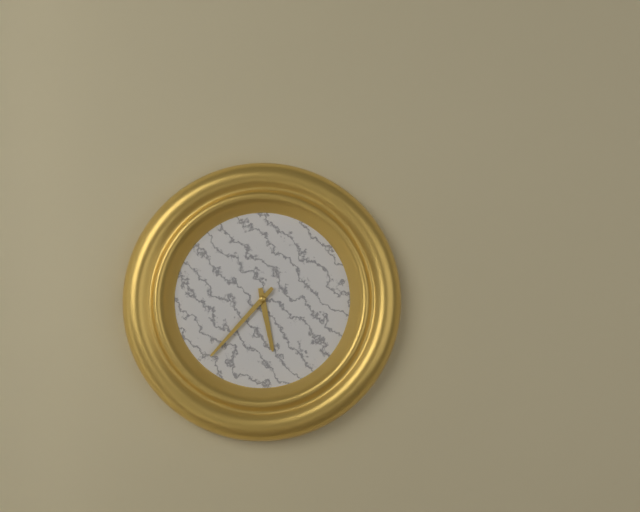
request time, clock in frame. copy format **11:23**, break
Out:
**5:37**
